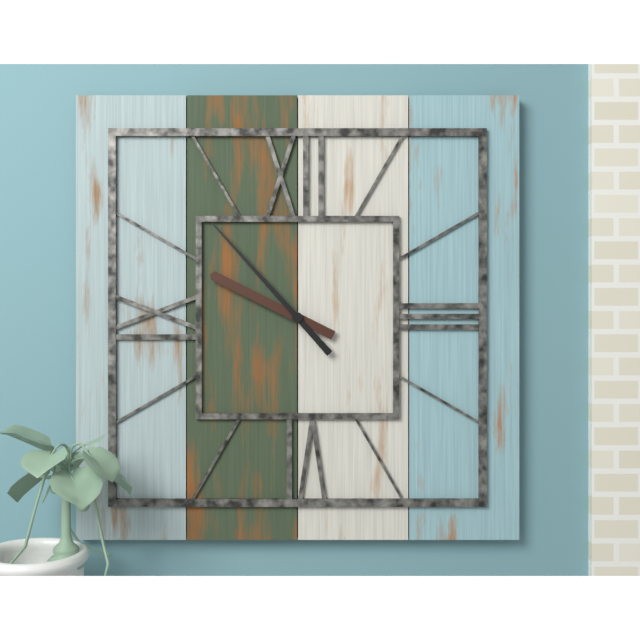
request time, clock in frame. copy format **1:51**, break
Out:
**9:53**
